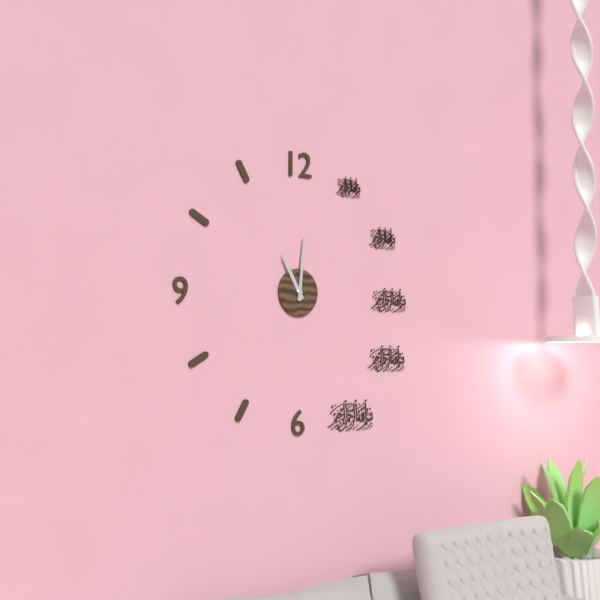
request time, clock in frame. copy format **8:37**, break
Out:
**11:01**
